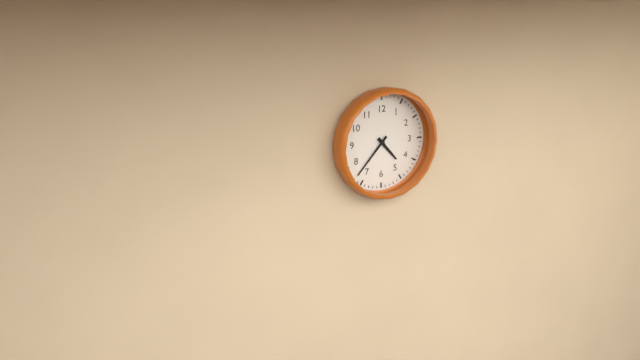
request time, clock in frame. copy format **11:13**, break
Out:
**4:37**
